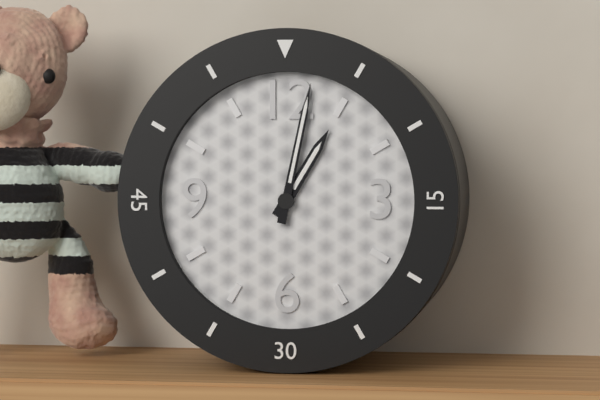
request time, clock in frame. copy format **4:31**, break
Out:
**1:02**
